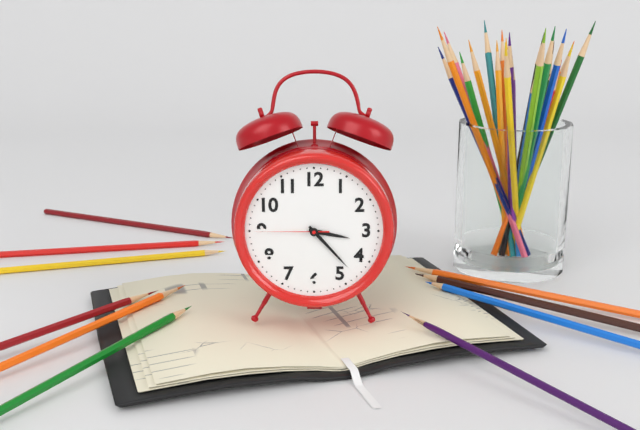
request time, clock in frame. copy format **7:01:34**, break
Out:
**3:23:45**
